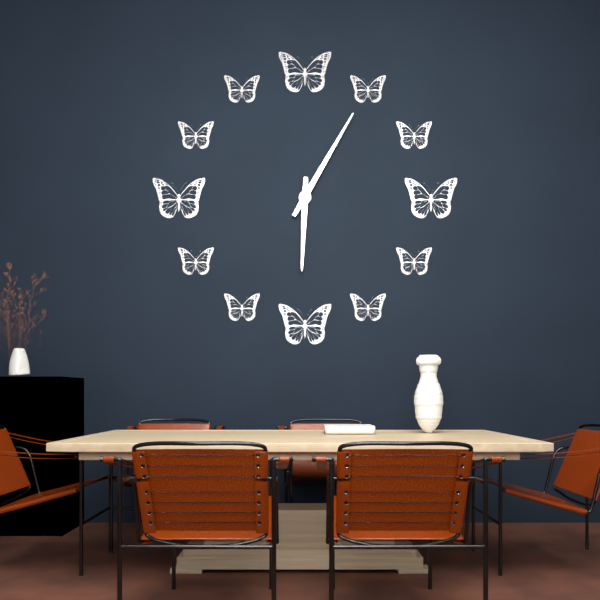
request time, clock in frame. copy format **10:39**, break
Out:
**6:05**
